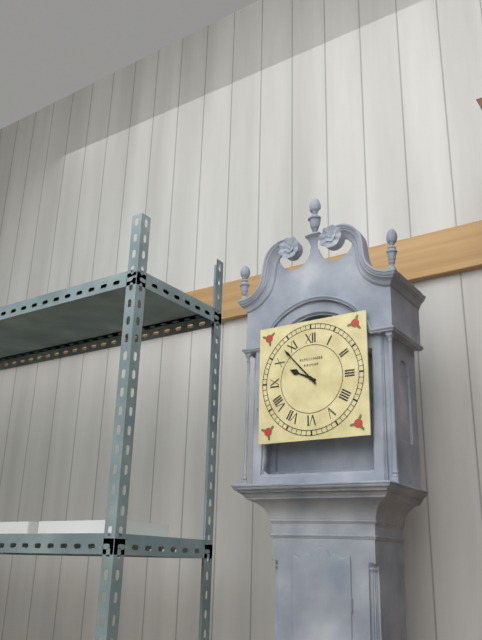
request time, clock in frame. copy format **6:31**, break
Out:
**9:53**
